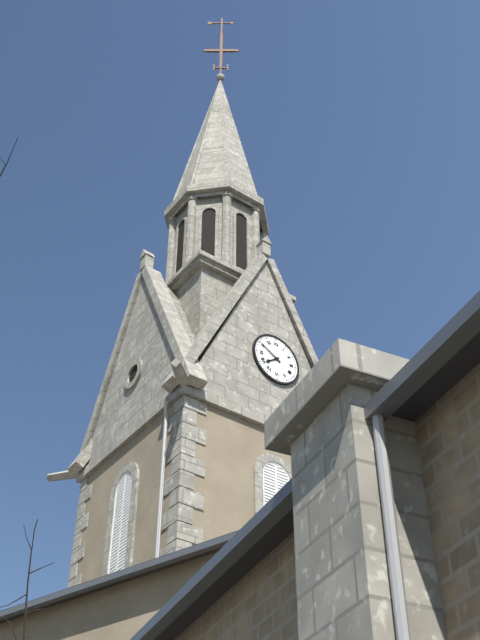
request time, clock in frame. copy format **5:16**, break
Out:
**7:50**
